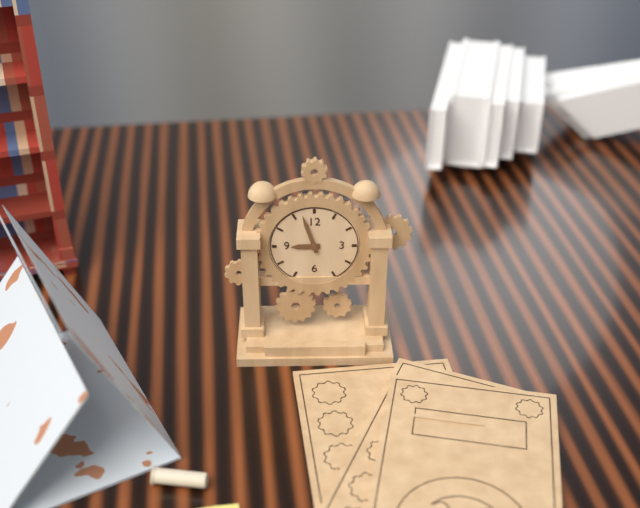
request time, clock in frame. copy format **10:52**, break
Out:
**8:57**
